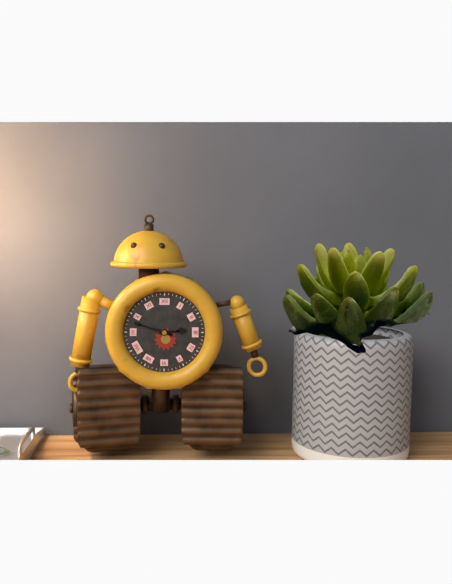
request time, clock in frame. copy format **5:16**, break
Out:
**2:48**
